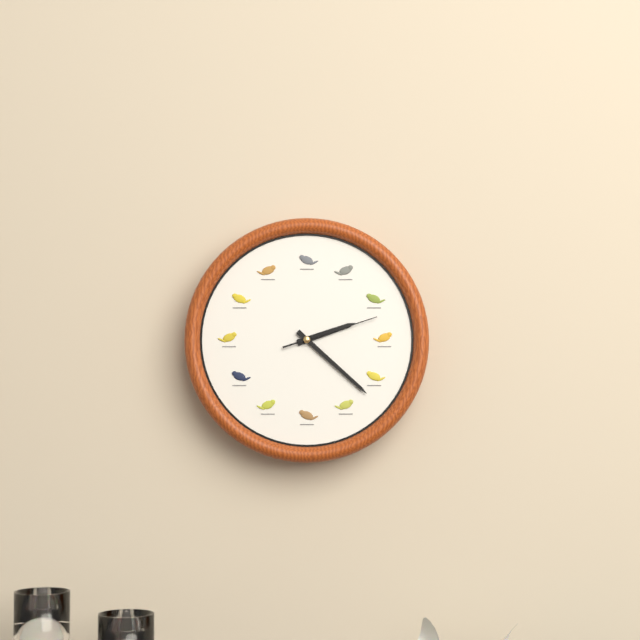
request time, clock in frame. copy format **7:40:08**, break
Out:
**2:22:12**
